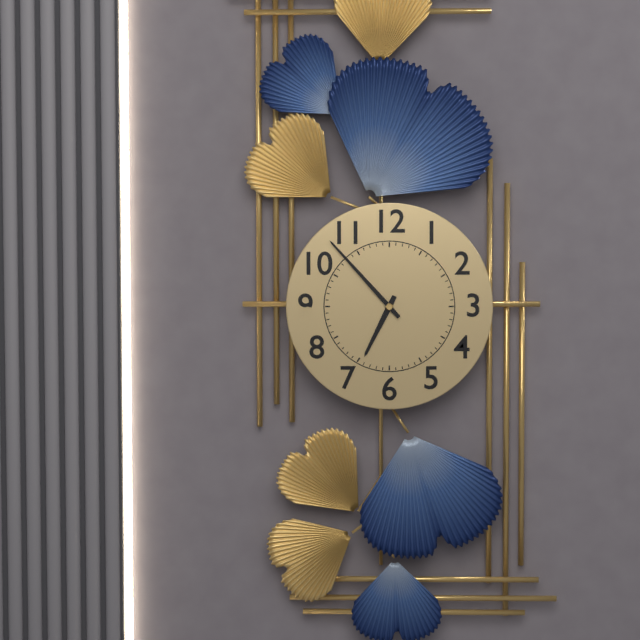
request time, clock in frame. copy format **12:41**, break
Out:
**6:53**
